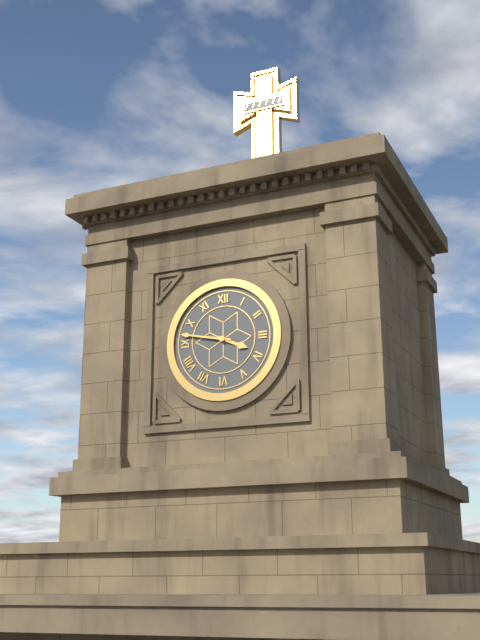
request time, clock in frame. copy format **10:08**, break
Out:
**3:47**
